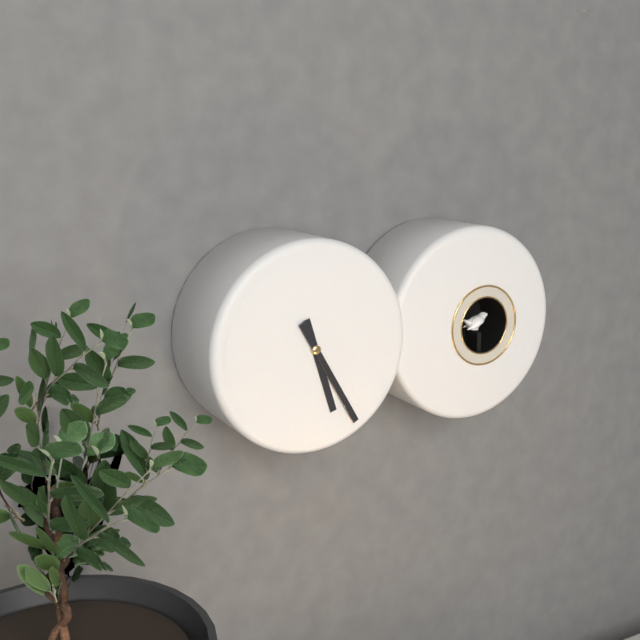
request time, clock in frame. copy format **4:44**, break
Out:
**5:25**
